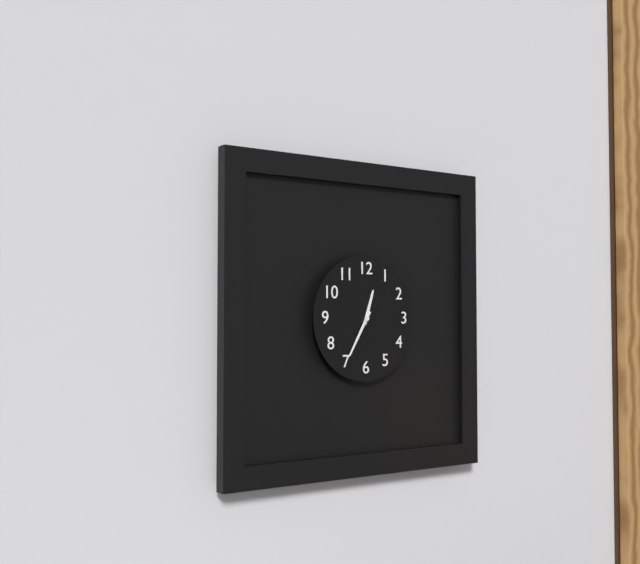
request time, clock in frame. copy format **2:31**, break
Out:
**12:35**
